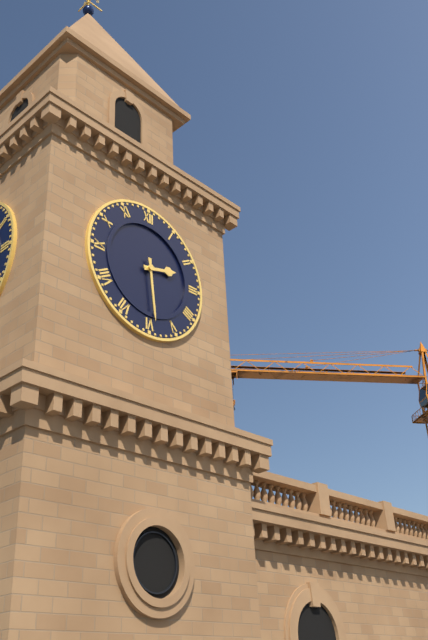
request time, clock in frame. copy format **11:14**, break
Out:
**2:29**
